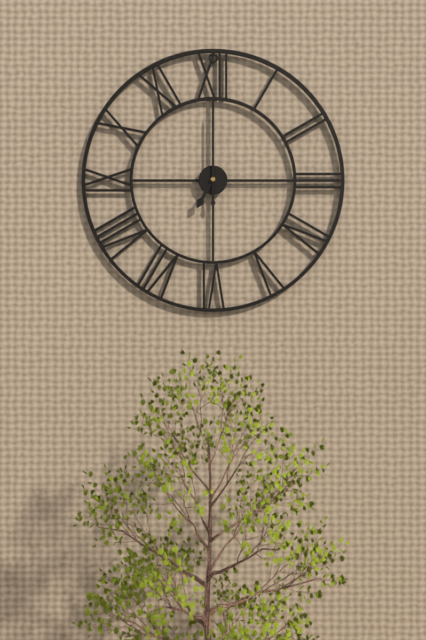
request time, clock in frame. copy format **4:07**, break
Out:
**7:00**
